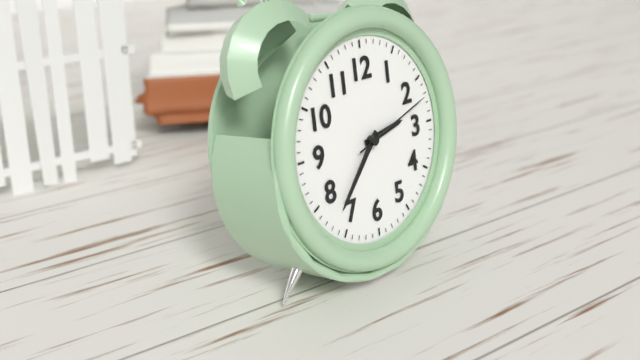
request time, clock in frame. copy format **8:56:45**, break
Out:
**2:37:12**
